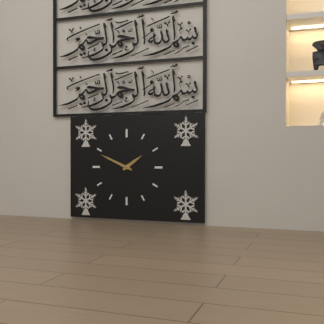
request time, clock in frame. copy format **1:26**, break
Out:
**1:49**
